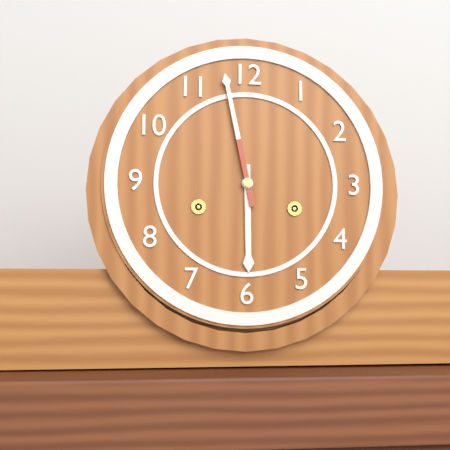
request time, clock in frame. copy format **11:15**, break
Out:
**5:58**
